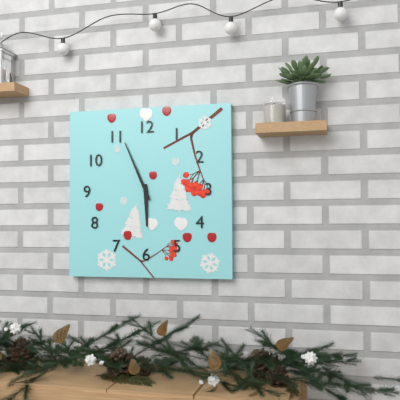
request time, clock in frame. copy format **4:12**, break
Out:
**5:56**
